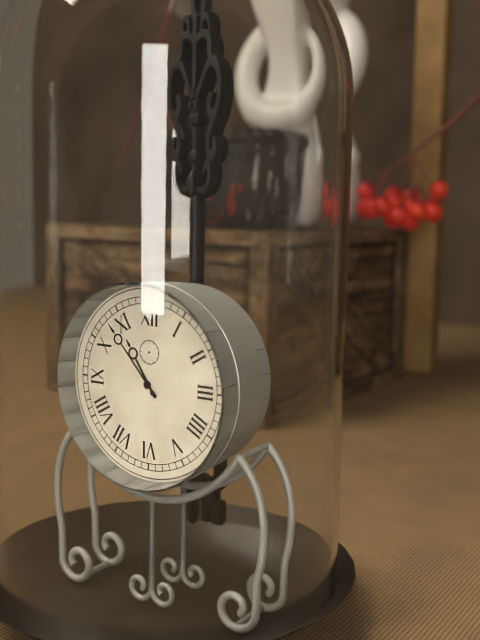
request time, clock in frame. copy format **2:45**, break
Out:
**10:53**
